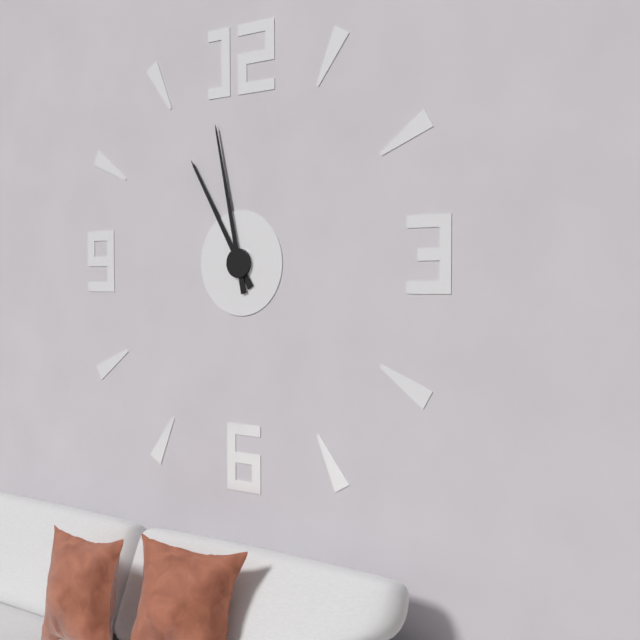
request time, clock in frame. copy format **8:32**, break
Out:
**10:58**
